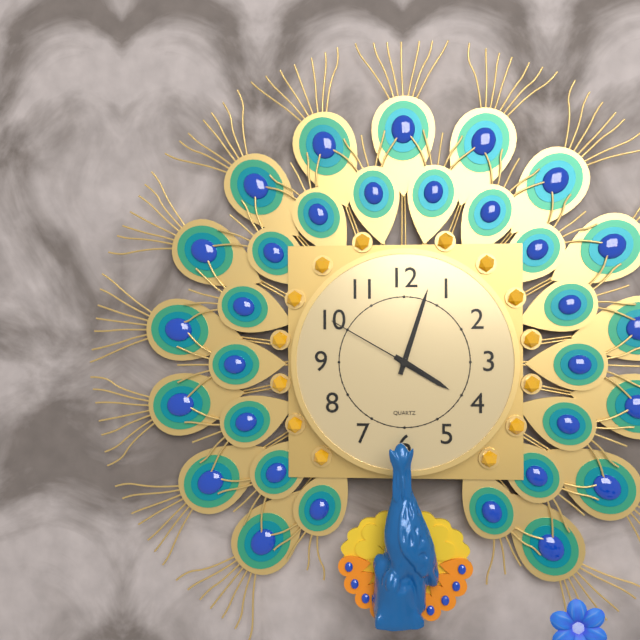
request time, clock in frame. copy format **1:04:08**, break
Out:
**4:03:50**
